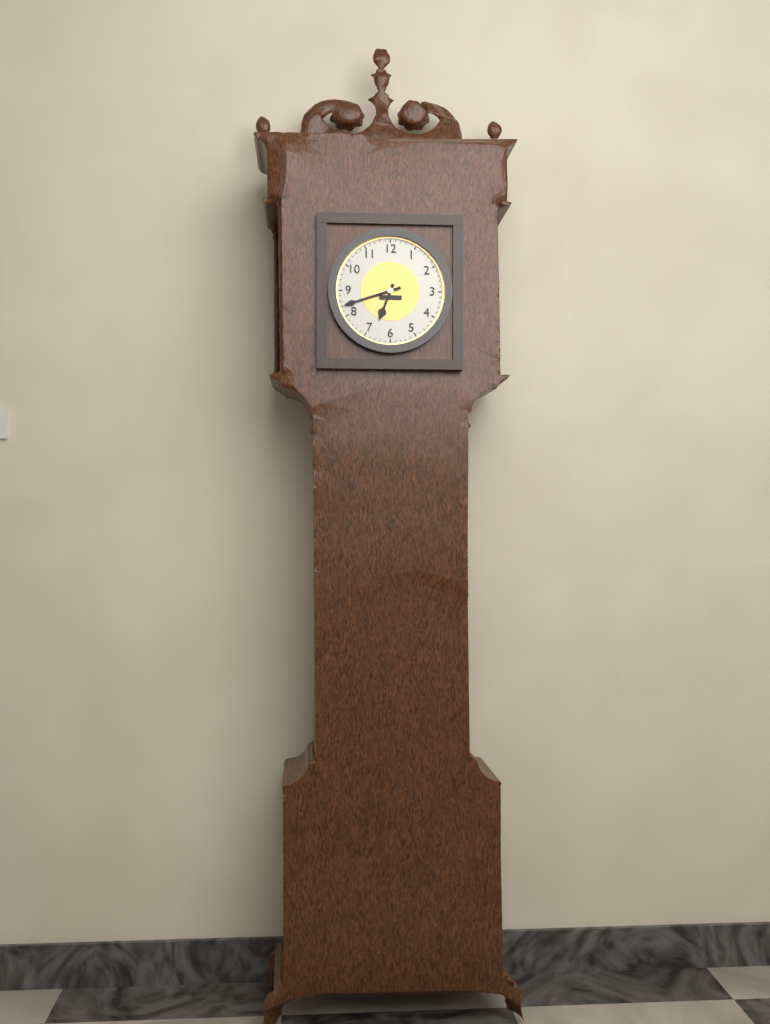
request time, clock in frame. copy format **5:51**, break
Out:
**6:42**
